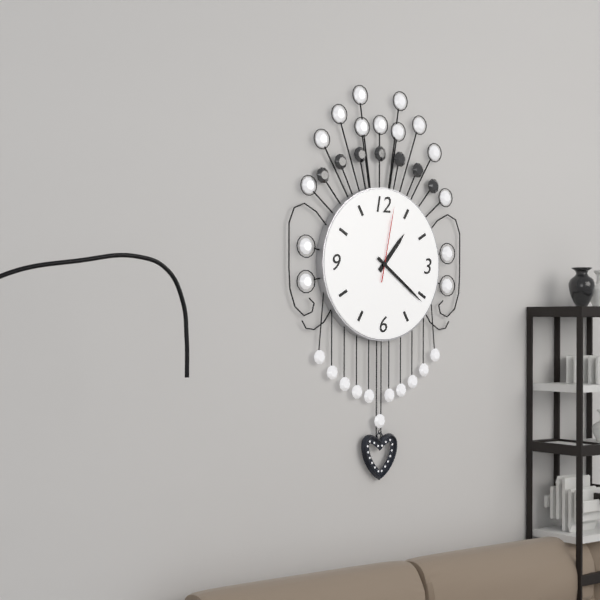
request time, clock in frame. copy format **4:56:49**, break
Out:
**1:21:02**
